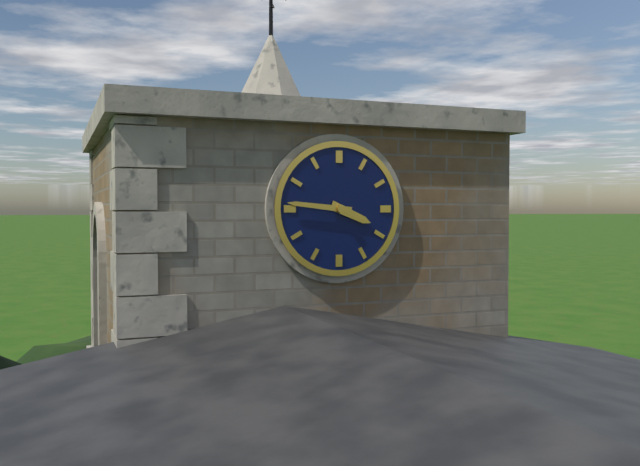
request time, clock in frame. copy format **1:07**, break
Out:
**3:46**
